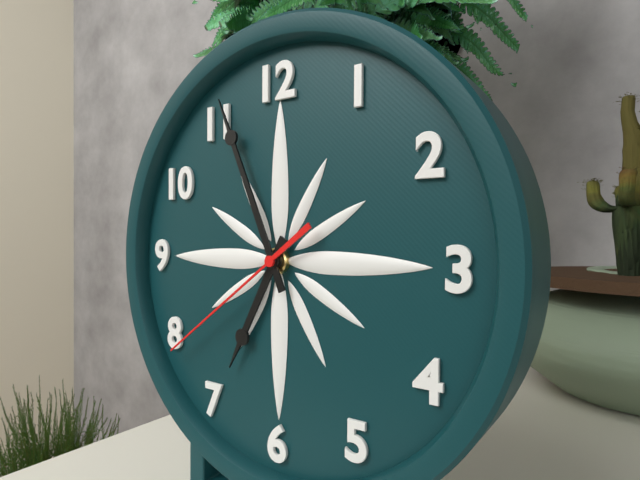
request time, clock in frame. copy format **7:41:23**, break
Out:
**6:56:39**
